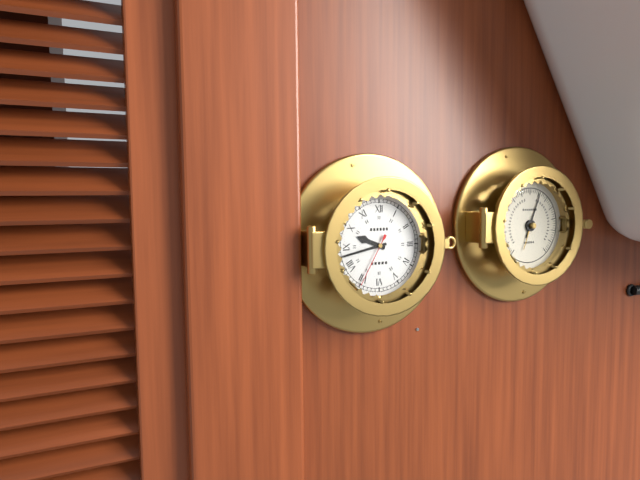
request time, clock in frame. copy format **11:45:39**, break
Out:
**9:43:35**
